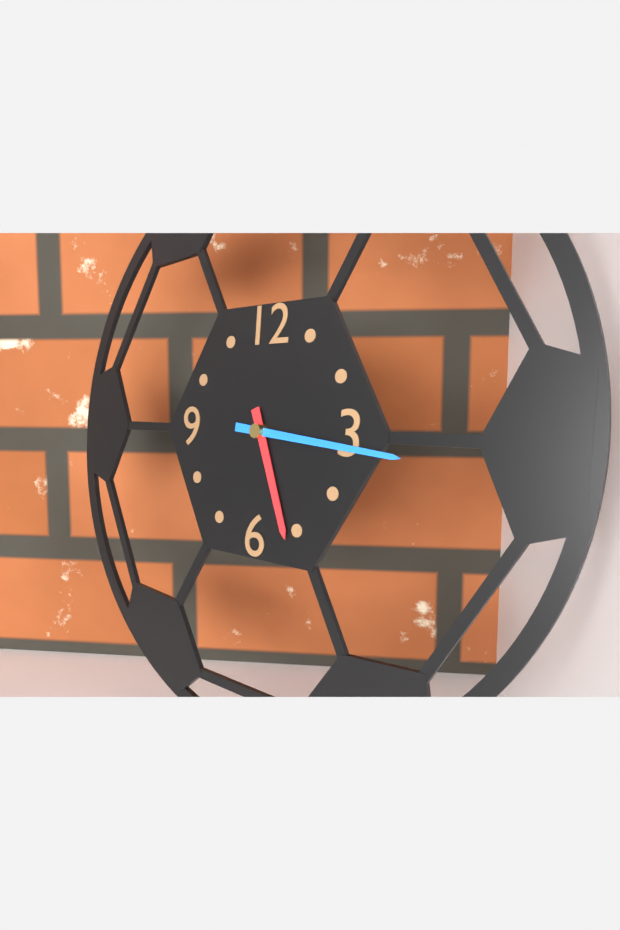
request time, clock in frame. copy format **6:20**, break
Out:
**5:16**
